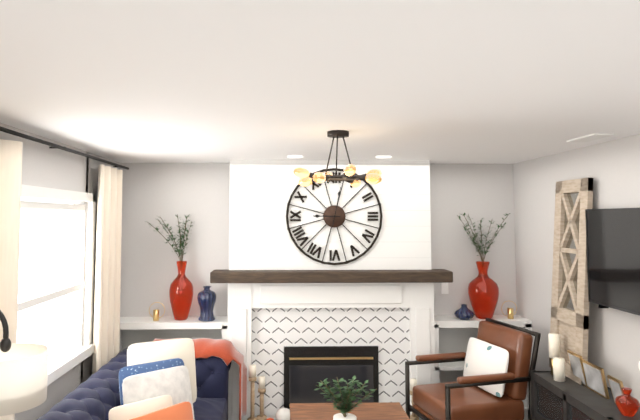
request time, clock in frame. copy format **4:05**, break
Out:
**9:02**
